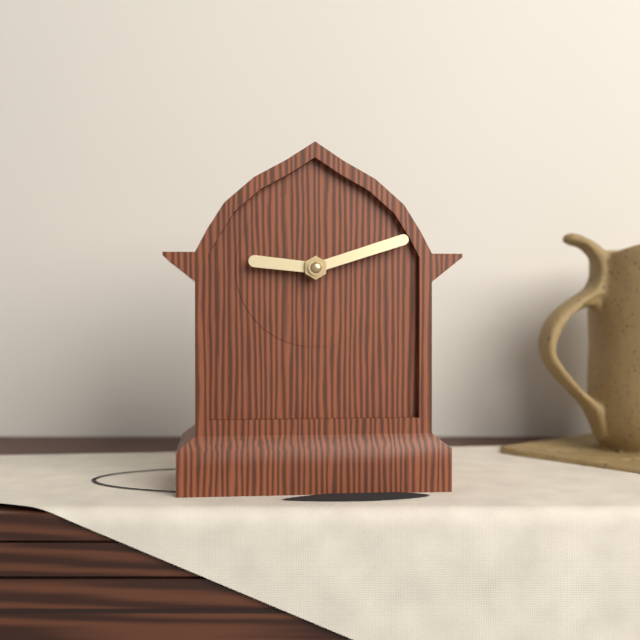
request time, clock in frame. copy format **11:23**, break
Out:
**9:12**
